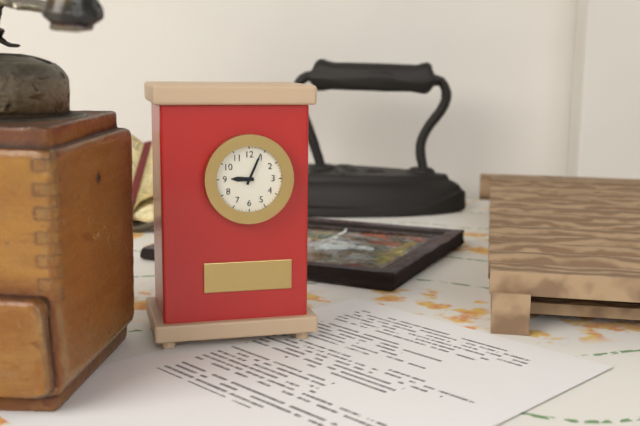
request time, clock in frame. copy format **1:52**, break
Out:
**9:04**
